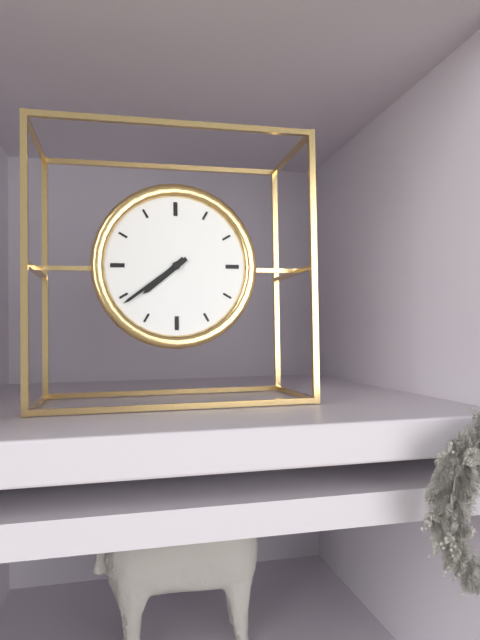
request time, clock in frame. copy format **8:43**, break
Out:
**7:39**
